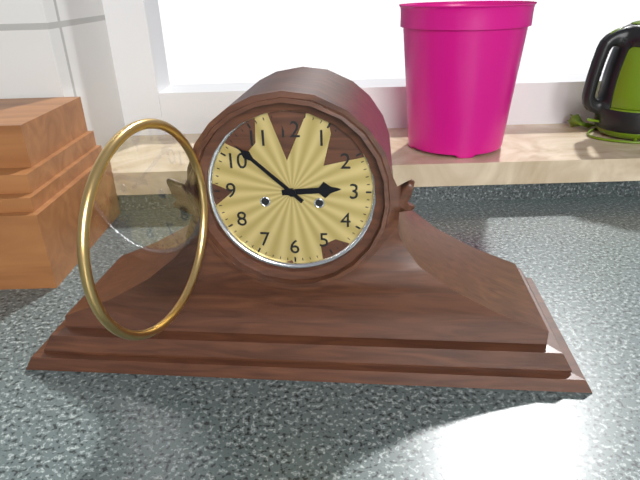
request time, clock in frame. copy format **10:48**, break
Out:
**2:52**
